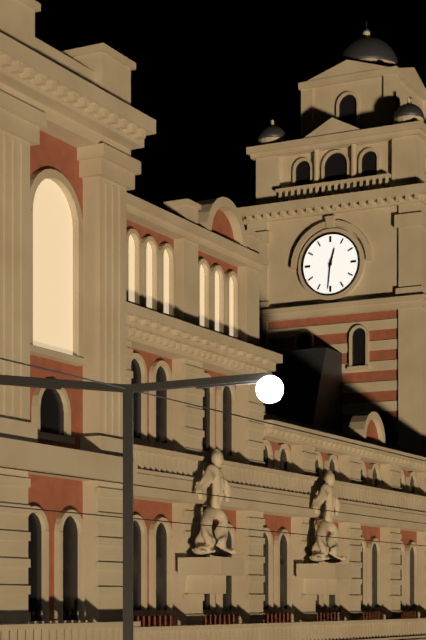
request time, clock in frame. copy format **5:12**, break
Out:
**12:31**
